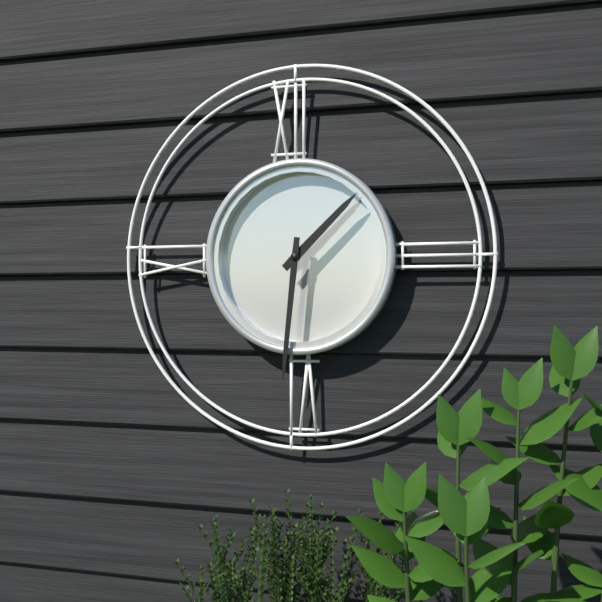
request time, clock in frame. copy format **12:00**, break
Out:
**1:31**
